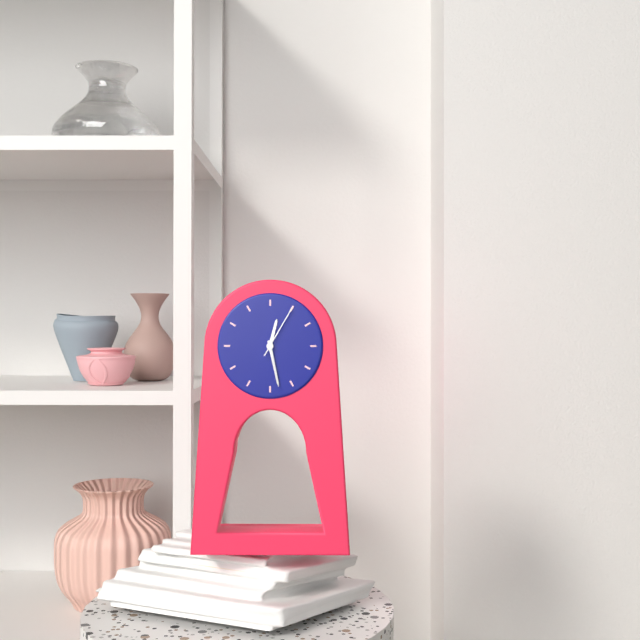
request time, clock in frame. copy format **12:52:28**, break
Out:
**12:28:05**
